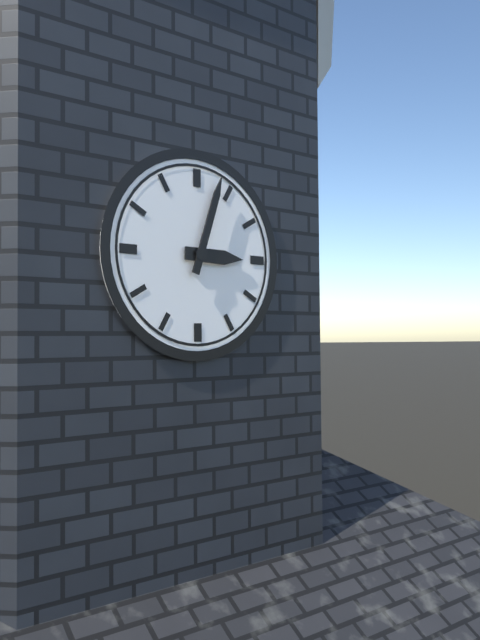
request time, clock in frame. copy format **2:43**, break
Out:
**3:03**
